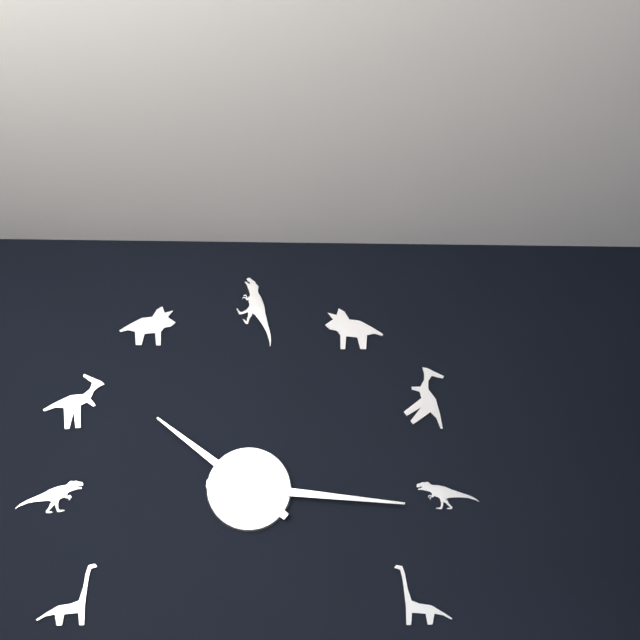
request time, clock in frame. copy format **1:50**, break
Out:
**10:16**
